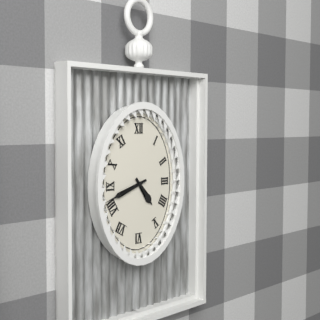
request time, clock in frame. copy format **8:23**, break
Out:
**4:42**
